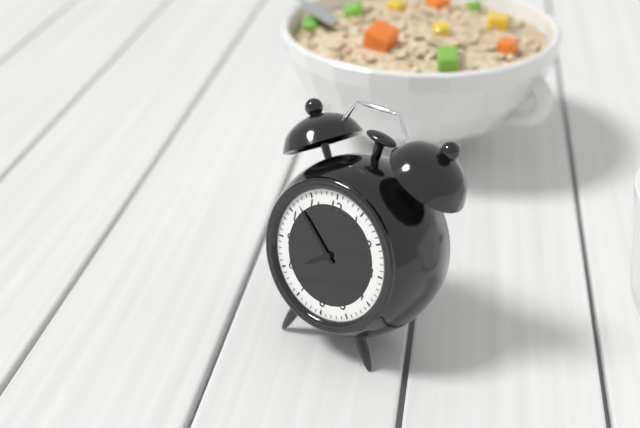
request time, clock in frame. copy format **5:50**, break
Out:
**7:52**
